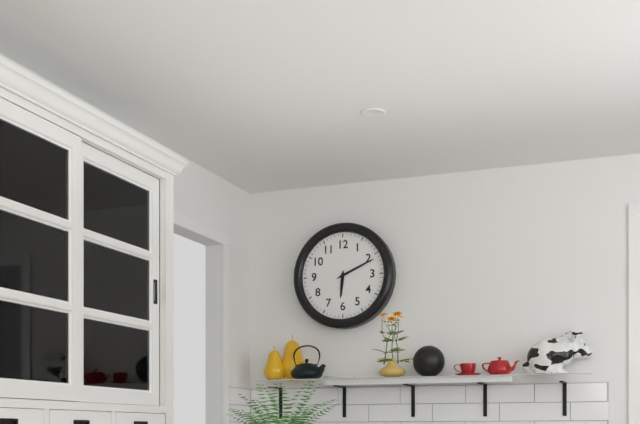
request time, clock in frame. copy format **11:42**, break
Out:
**6:11**
